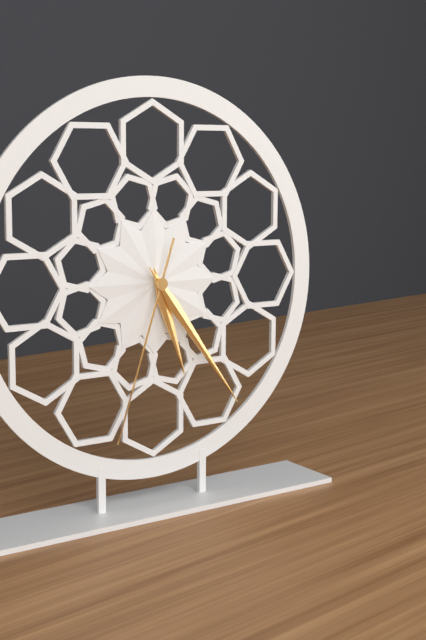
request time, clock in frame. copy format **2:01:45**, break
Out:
**5:24:33**
